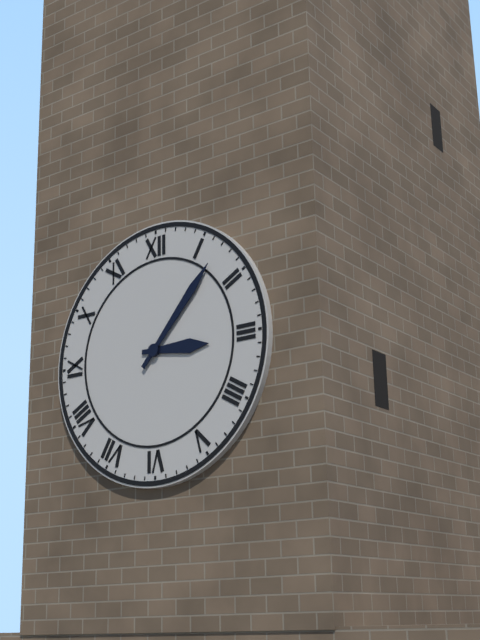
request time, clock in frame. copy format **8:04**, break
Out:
**3:07**
